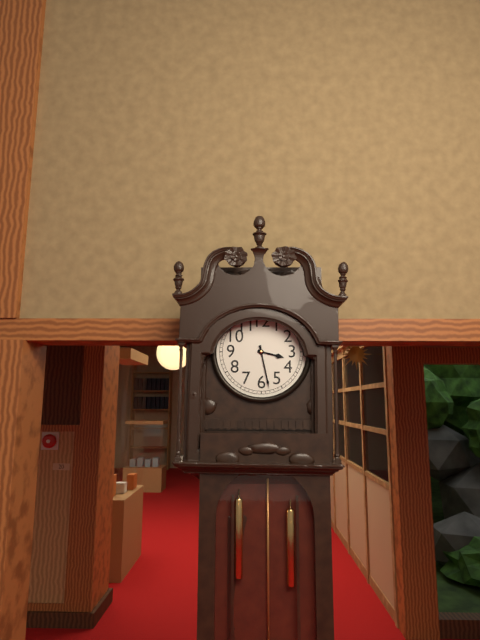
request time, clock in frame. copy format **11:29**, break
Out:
**3:28**
